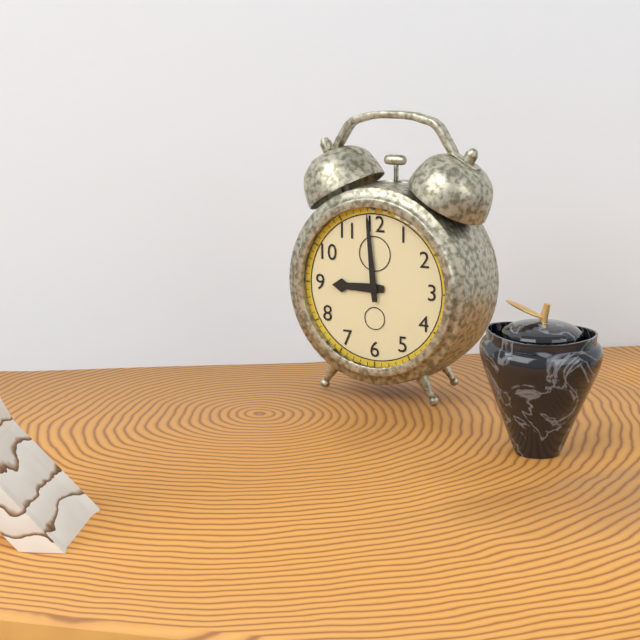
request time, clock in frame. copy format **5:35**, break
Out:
**8:59**
